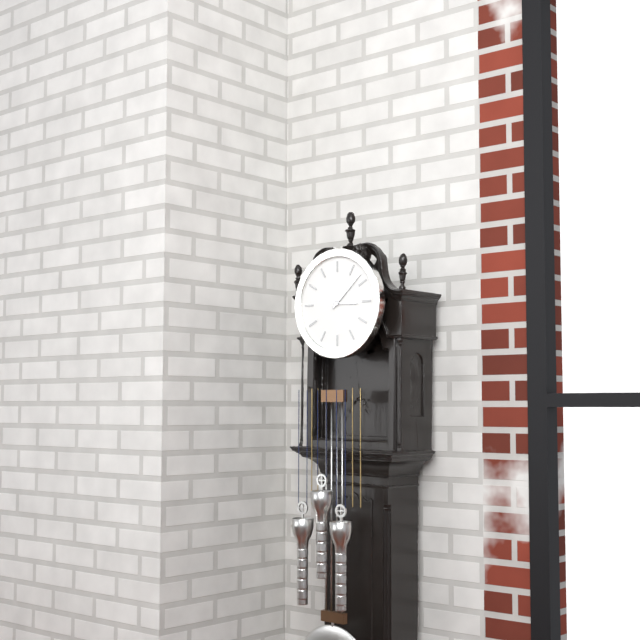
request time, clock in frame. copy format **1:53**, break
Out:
**3:08**
